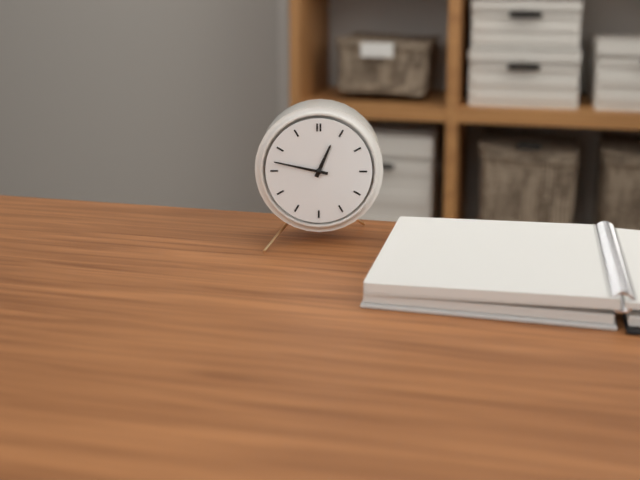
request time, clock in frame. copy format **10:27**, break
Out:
**12:47**
